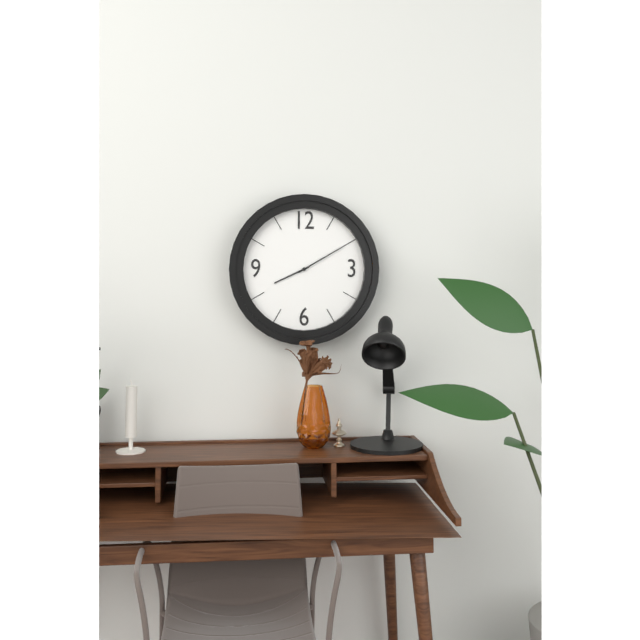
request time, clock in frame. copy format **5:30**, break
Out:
**8:10**
